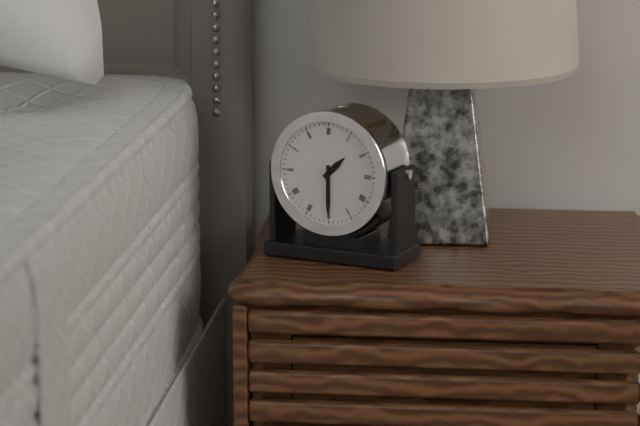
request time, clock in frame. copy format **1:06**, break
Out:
**1:30**
